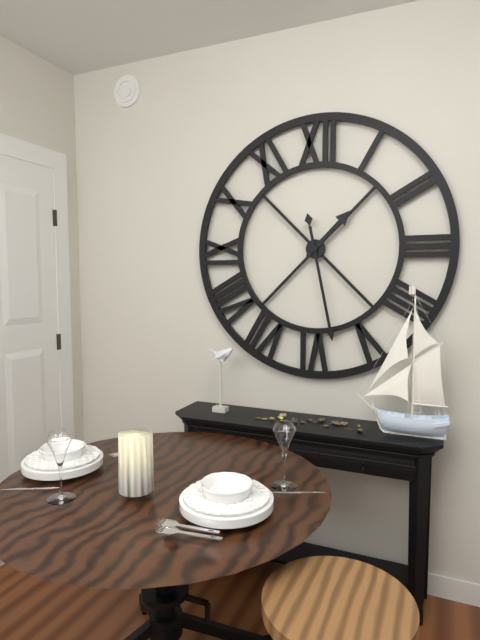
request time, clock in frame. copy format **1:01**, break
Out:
**1:28**
